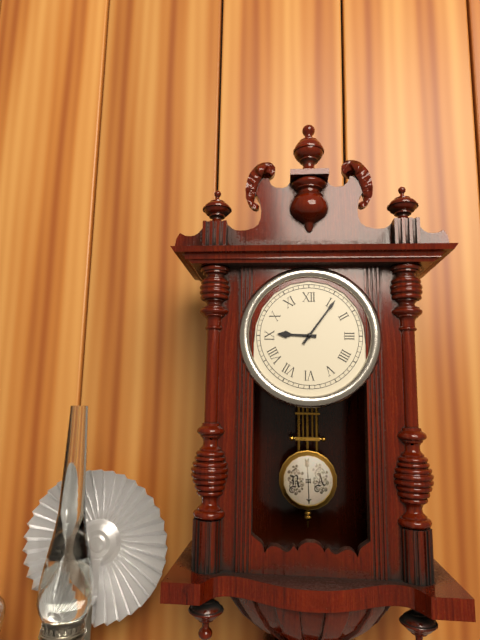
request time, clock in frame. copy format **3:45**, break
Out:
**9:06**
